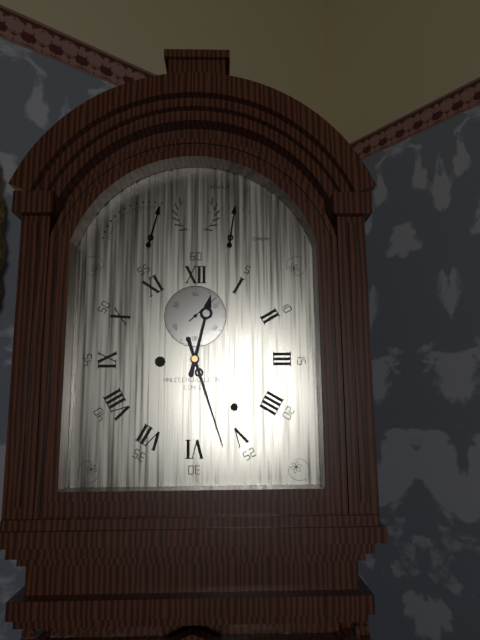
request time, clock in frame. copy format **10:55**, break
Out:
**12:27**
